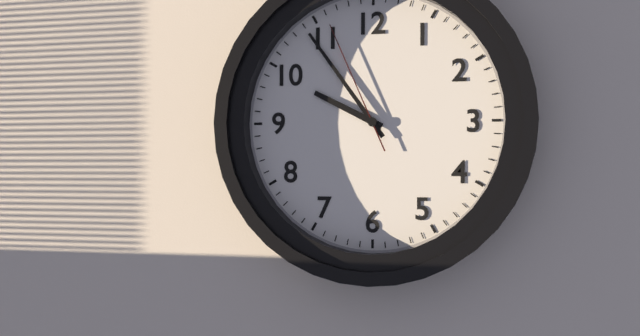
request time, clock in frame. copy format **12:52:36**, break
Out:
**9:54:56**
